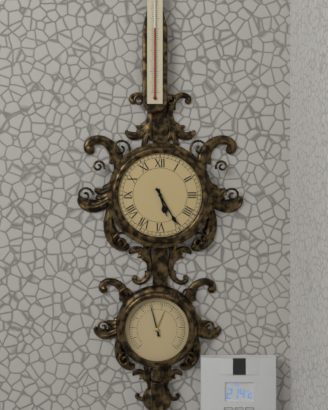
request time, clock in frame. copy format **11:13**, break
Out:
**5:25**
